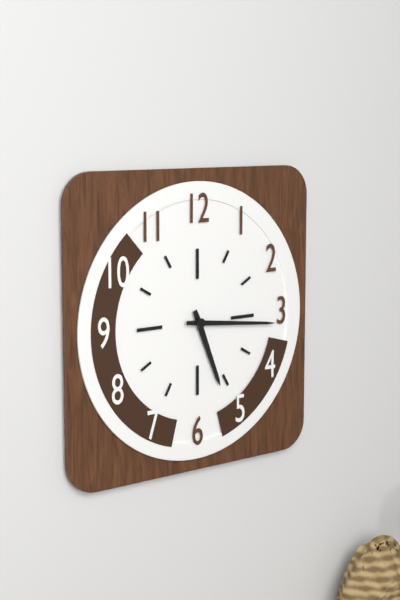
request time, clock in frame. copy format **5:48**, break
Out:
**5:16**
